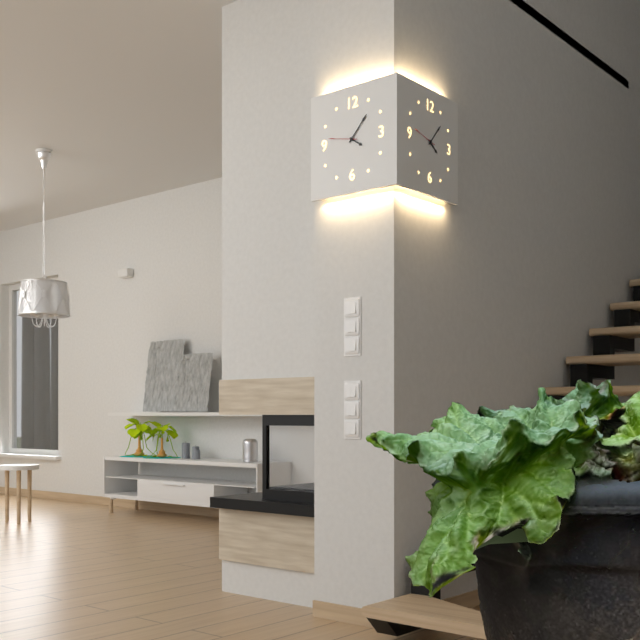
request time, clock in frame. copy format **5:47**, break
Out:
**4:07**
